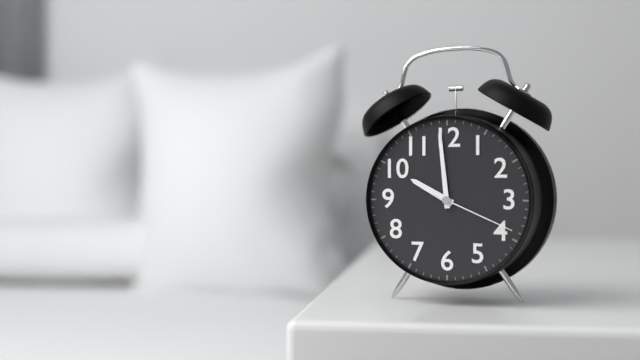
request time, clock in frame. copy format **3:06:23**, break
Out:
**9:59:19**
